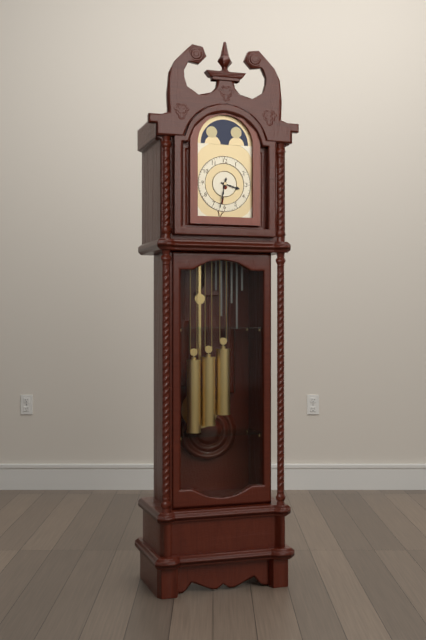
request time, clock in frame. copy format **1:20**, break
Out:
**3:32**
